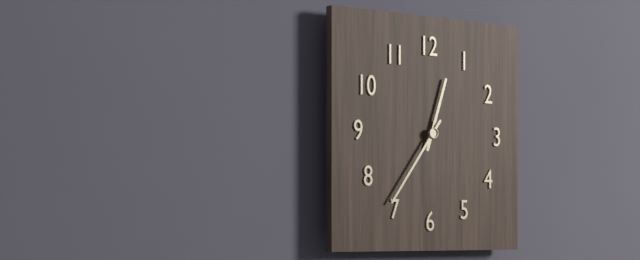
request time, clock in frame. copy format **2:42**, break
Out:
**12:36**
